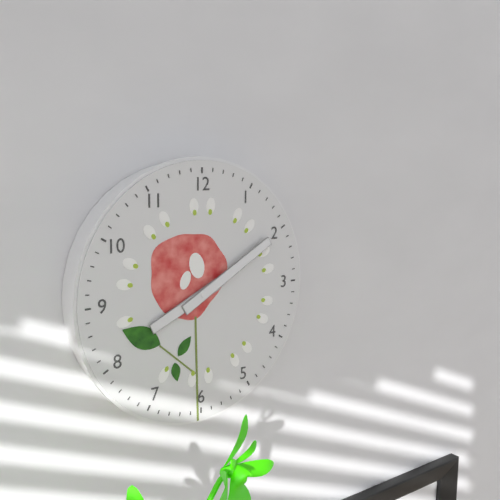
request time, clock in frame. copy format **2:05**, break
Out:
**8:10**
